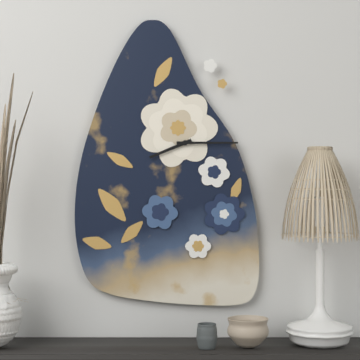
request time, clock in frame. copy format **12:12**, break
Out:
**8:15**
